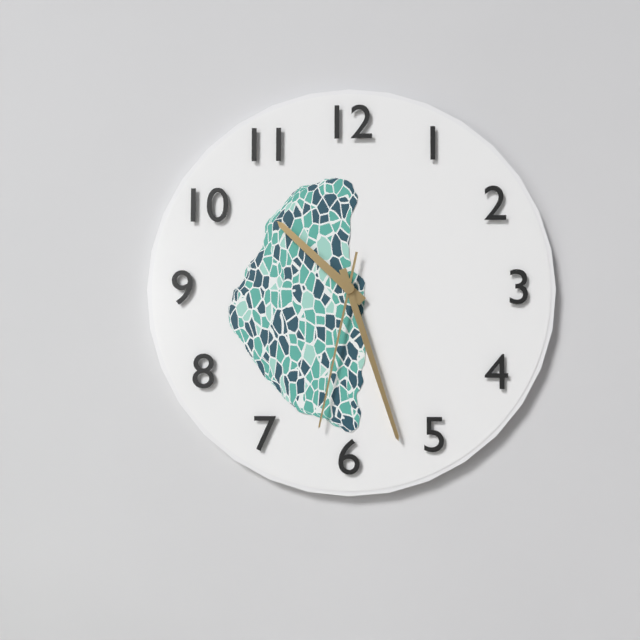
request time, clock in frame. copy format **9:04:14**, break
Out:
**10:27:32**
